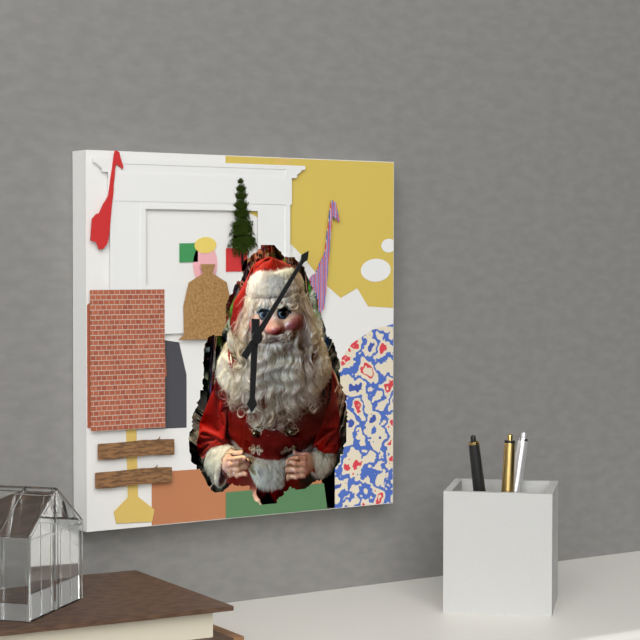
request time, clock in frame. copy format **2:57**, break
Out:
**6:06**
